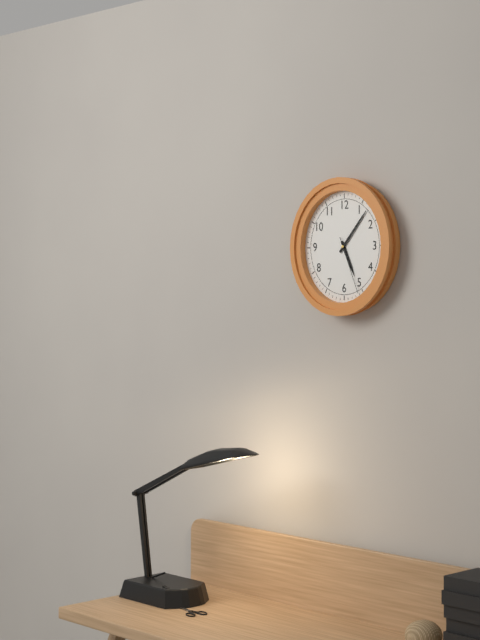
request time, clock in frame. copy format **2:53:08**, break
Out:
**5:07:26**
